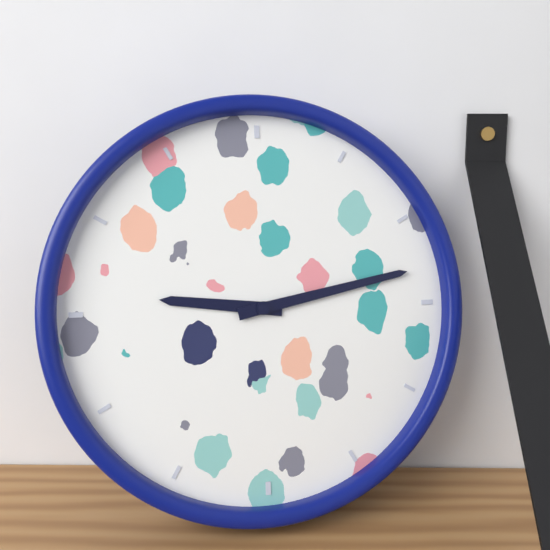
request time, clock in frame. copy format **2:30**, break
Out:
**9:13**
